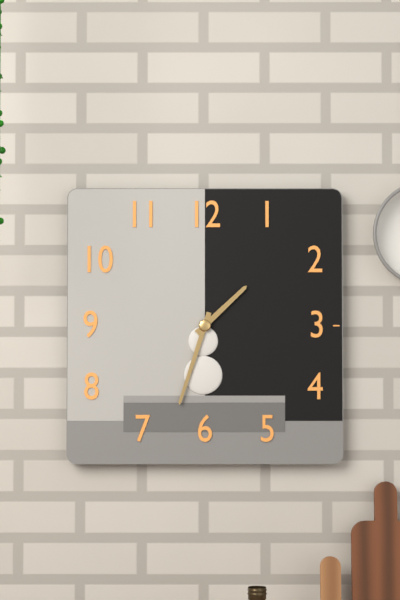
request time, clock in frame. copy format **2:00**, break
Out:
**1:33**
